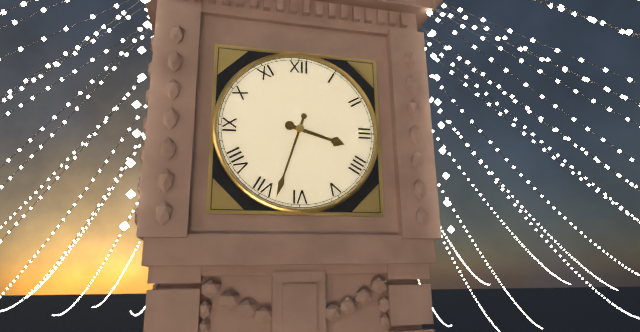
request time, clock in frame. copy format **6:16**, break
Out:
**3:33**
